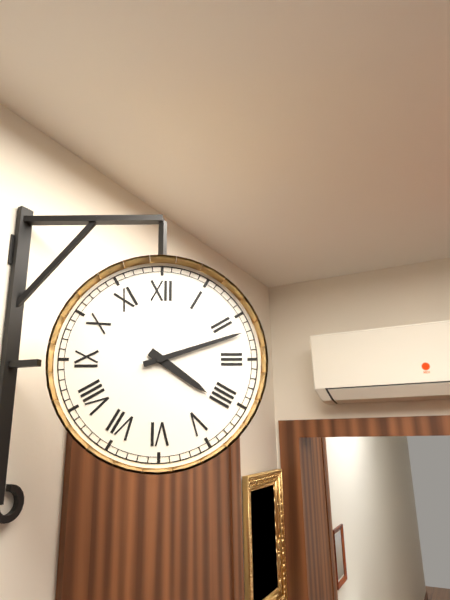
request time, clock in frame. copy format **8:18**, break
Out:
**4:12**
